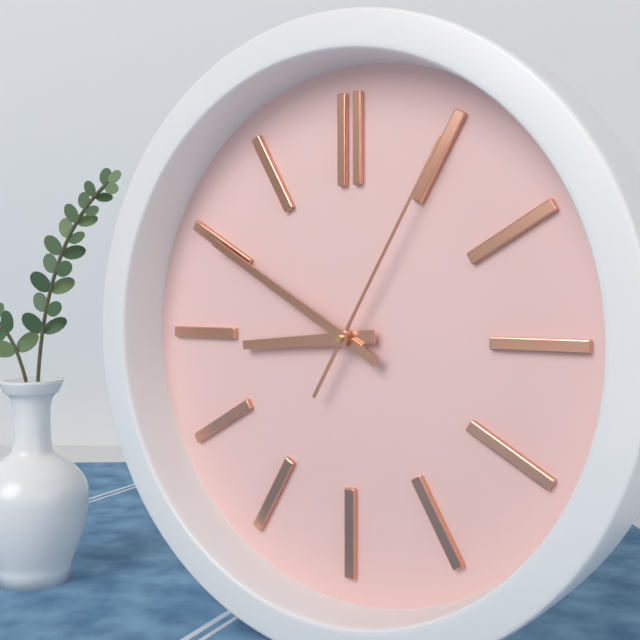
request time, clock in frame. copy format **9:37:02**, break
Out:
**8:50:05**
